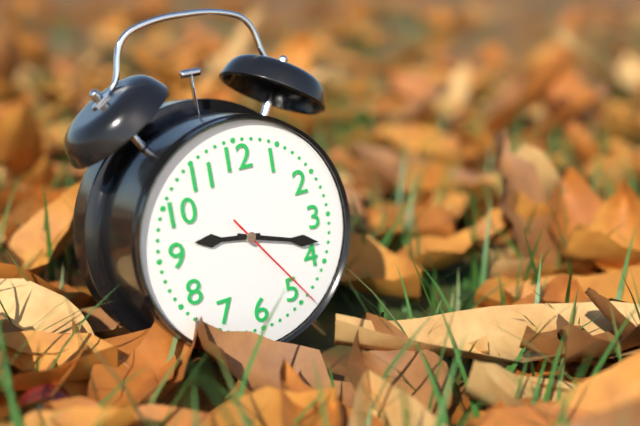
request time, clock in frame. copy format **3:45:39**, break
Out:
**9:18:24**
